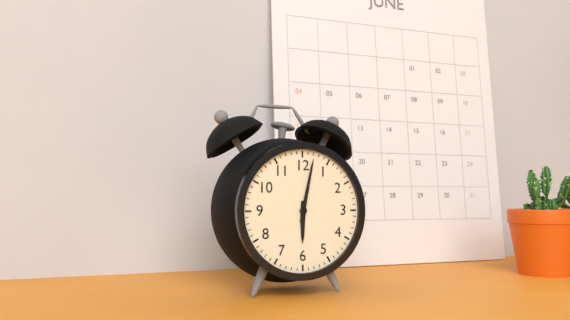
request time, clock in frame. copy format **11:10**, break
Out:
**6:02**
